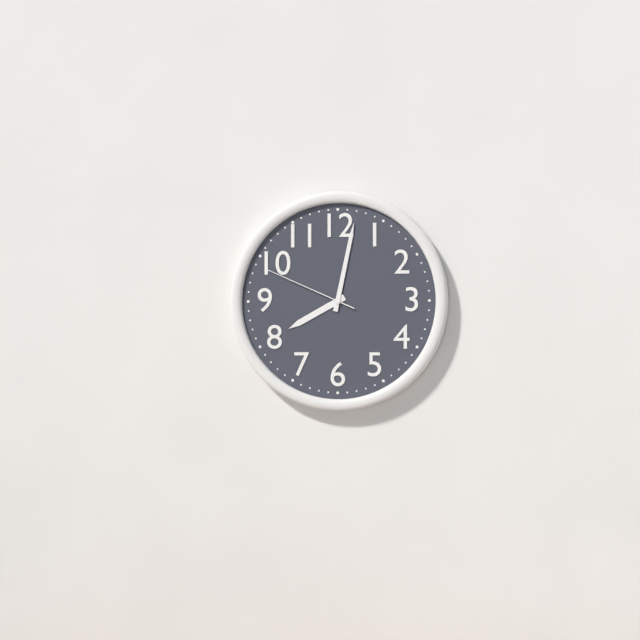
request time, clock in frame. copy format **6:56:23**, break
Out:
**8:02:49**
